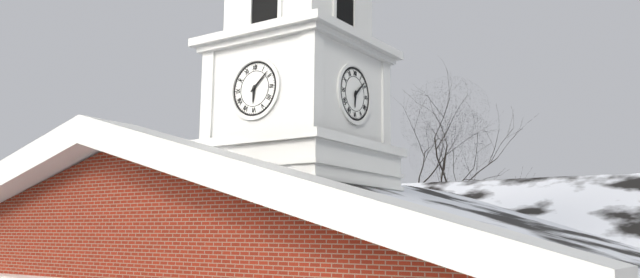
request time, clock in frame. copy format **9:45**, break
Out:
**6:08**
